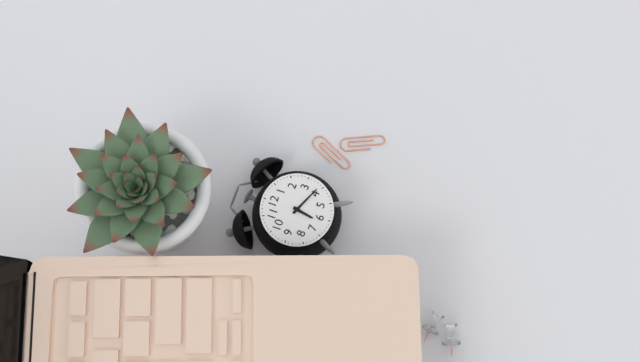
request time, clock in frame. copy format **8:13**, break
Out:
**6:19**
